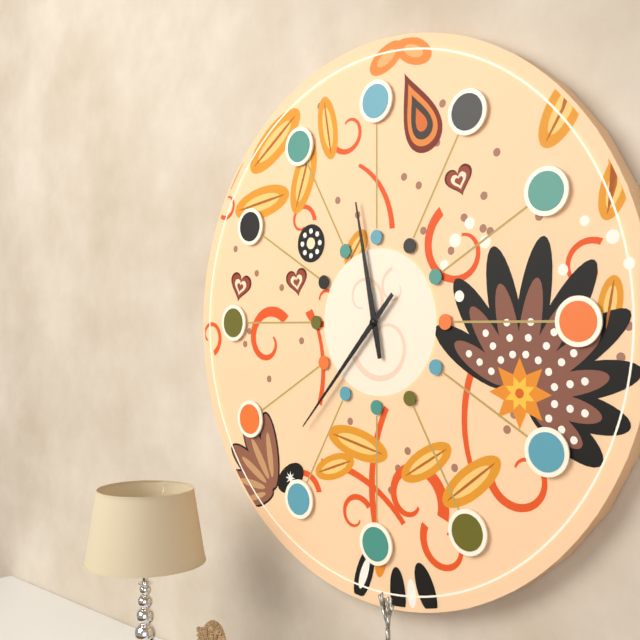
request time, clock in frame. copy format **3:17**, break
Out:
**11:37**
